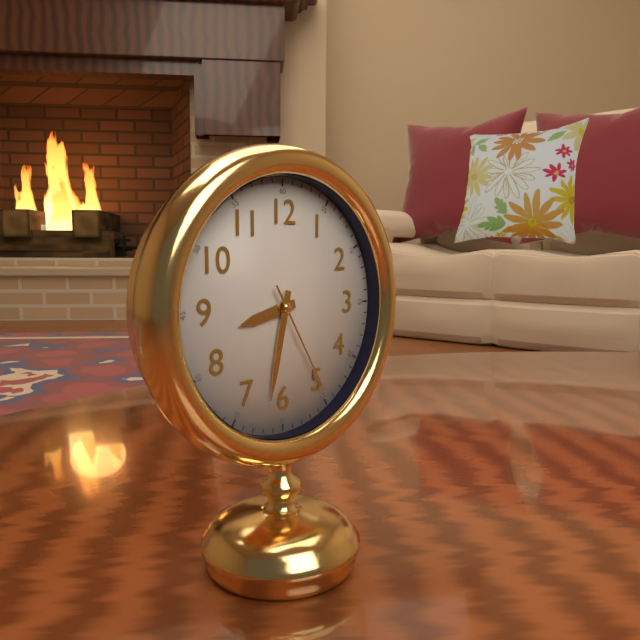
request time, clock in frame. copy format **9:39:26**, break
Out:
**8:32:25**
